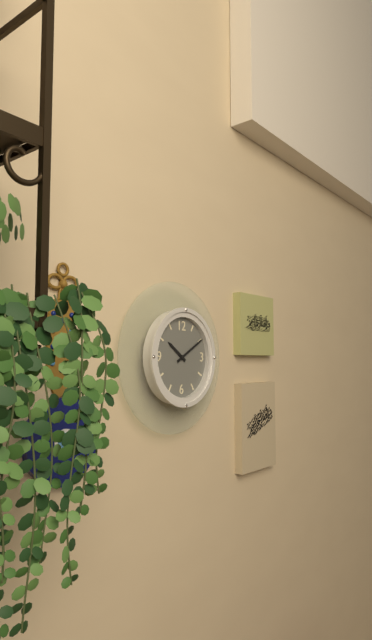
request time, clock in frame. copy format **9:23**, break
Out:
**10:10**
